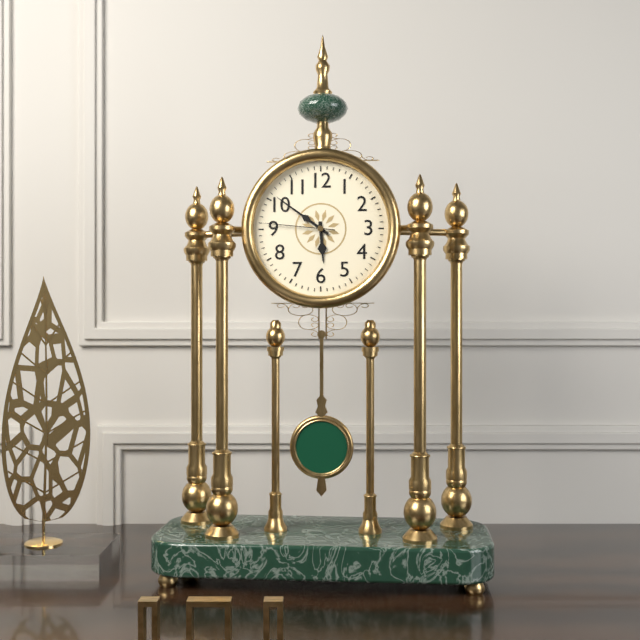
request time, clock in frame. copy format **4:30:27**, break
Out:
**5:51:46**
